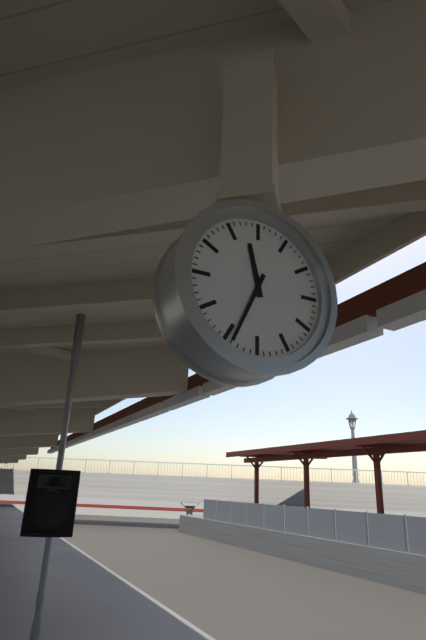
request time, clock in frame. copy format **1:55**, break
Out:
**11:34**
